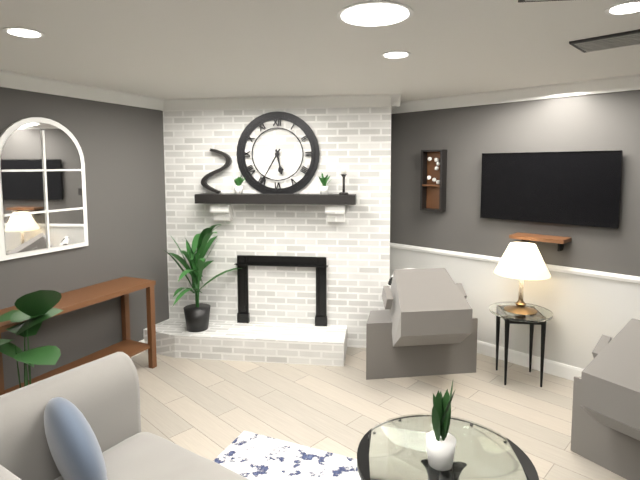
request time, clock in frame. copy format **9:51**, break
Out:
**5:35**
